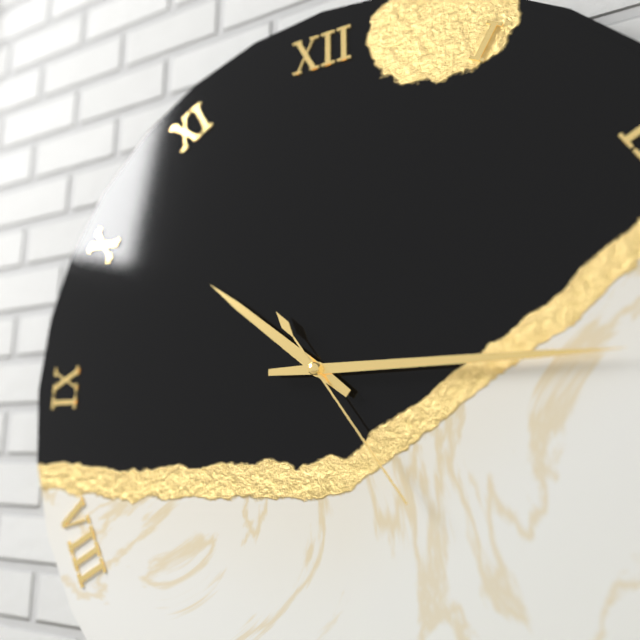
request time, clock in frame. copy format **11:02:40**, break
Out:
**10:15:24**
